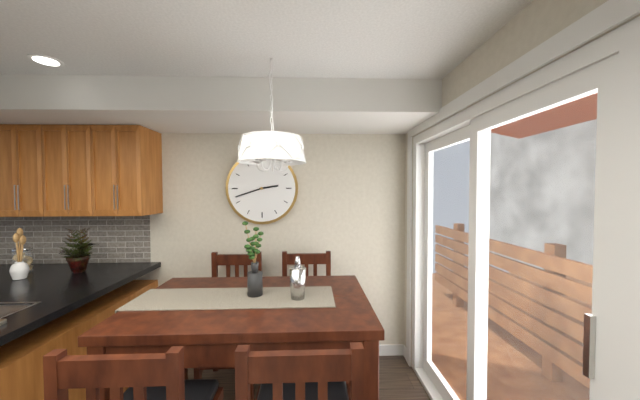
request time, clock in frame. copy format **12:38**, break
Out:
**2:42**
